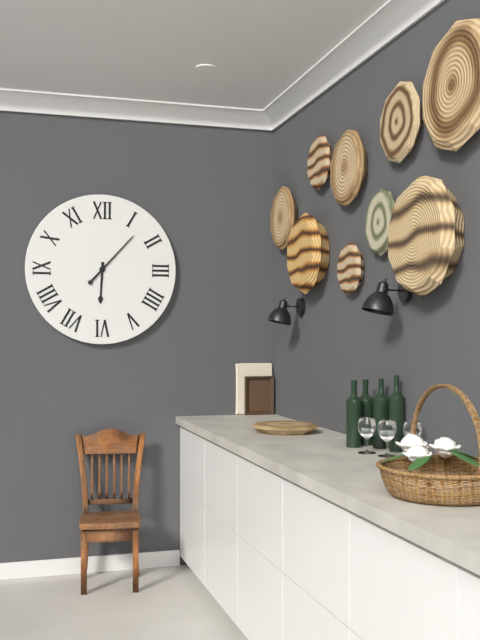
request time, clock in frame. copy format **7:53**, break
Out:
**6:07**
